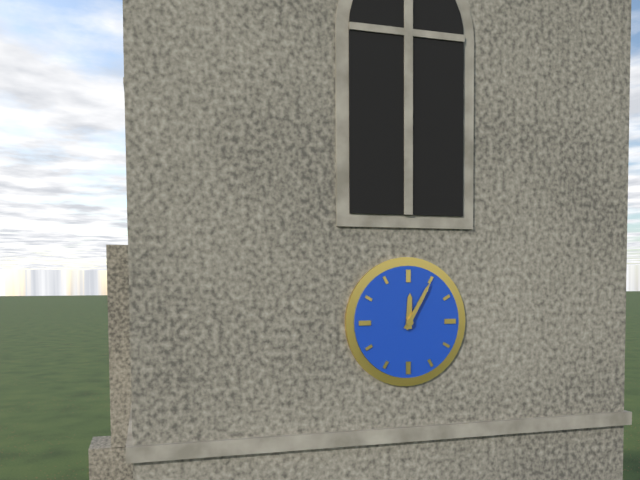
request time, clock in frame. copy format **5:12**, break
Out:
**12:05**
